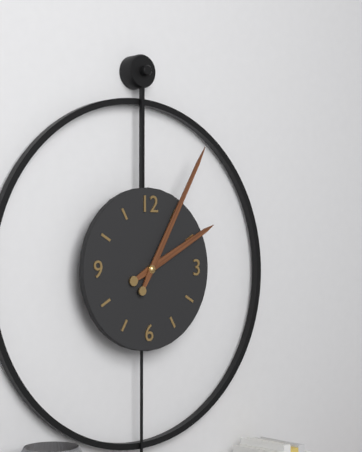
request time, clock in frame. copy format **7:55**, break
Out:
**2:05**
